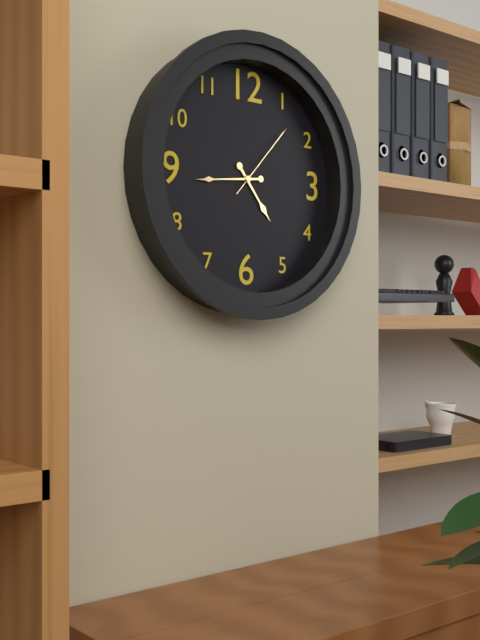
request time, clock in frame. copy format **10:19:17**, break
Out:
**4:44:07**
